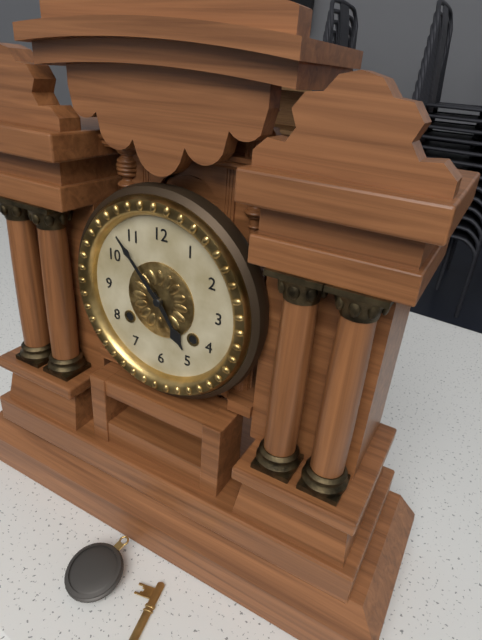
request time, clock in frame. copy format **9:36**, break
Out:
**4:53**
